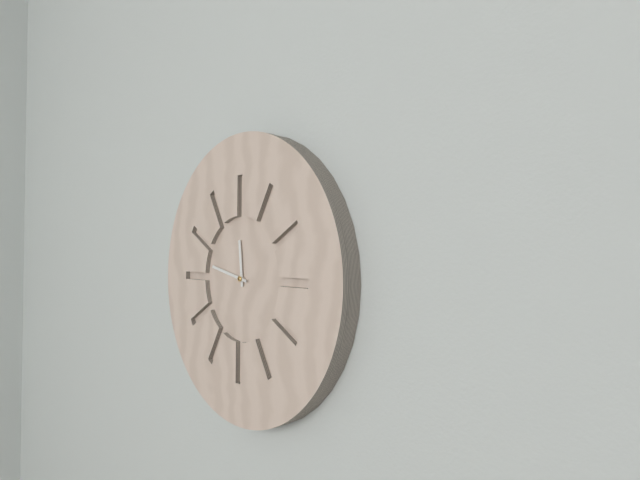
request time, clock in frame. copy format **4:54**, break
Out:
**11:47**
